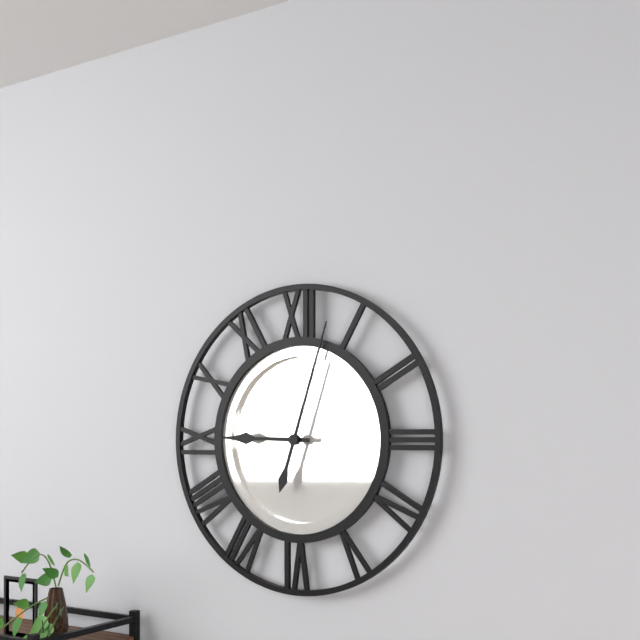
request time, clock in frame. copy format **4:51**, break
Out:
**9:03**
